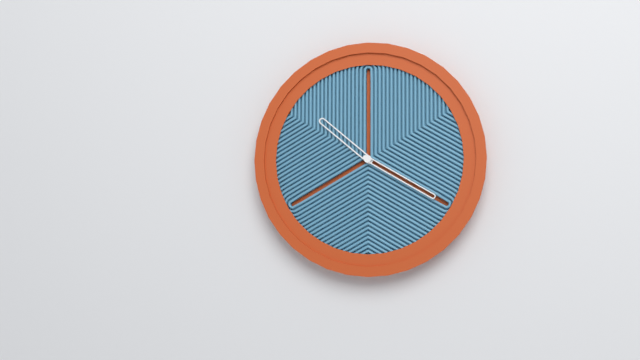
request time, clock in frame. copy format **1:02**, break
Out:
**10:20**
